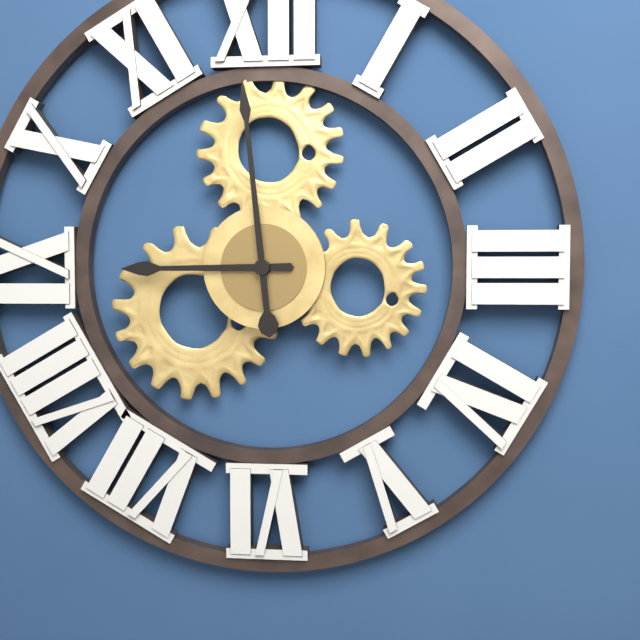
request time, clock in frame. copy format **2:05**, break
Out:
**8:59**
